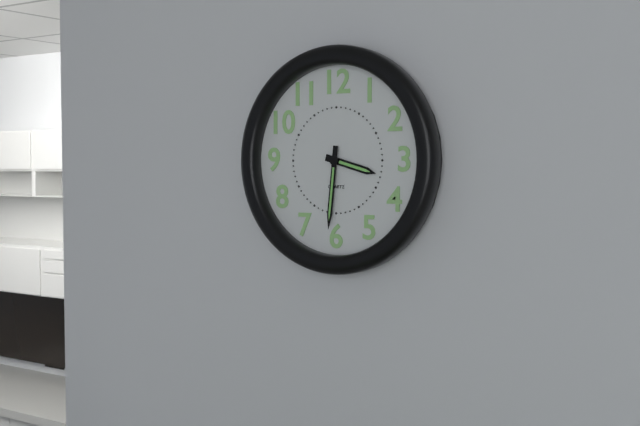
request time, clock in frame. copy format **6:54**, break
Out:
**3:31**
